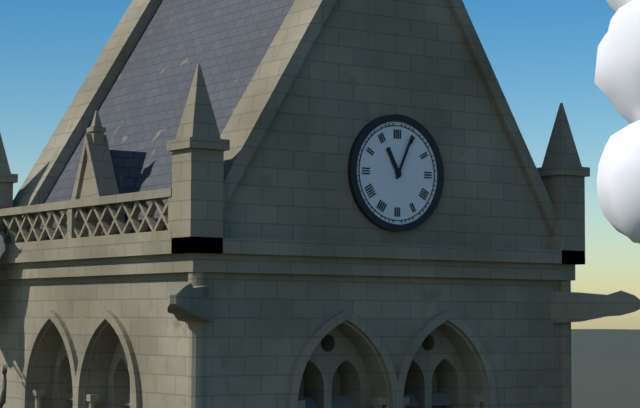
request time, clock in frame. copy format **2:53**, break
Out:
**11:04**
